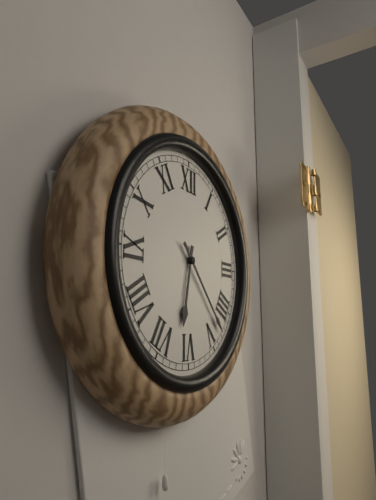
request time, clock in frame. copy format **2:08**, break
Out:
**6:23**
